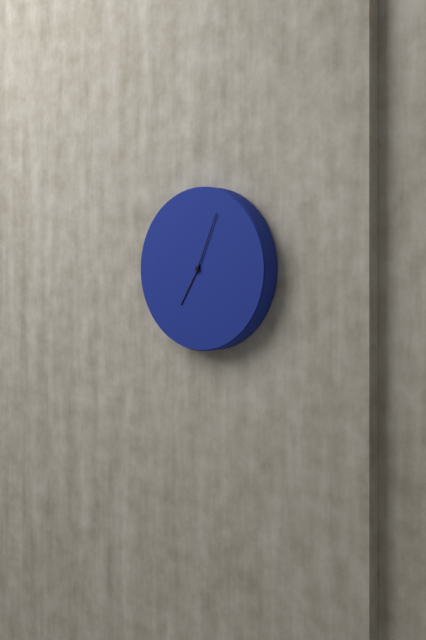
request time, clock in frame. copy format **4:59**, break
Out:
**7:04**
